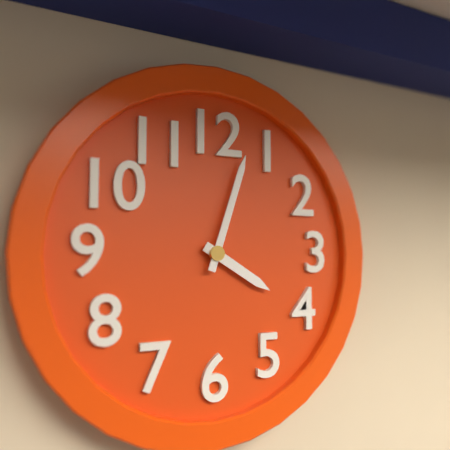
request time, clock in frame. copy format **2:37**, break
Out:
**4:03**
